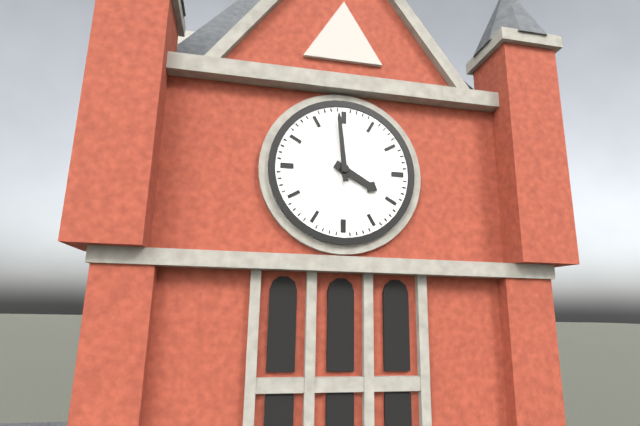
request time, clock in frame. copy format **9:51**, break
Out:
**3:59**
